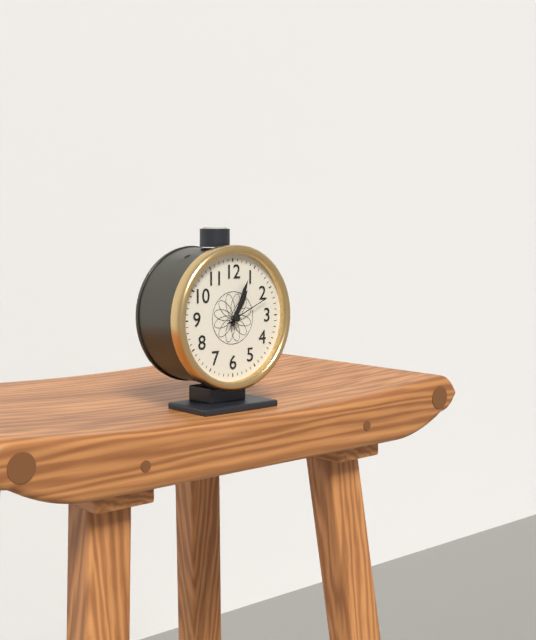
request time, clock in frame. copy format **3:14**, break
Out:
**1:04**
